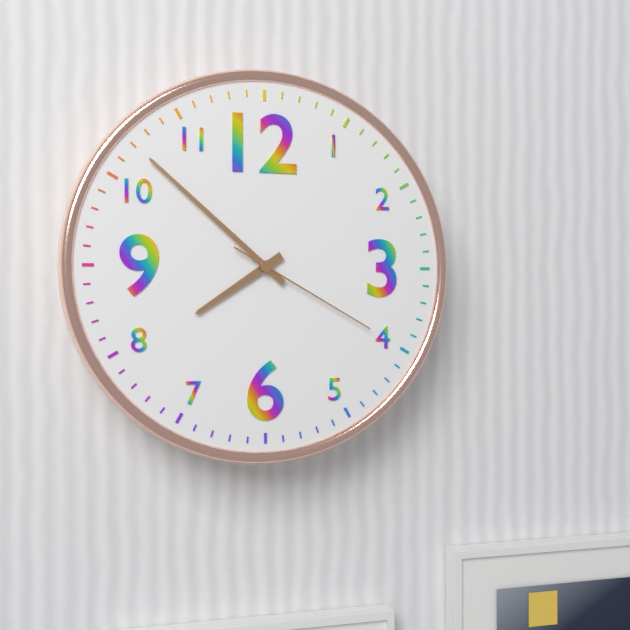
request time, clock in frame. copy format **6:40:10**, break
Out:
**7:52:20**
